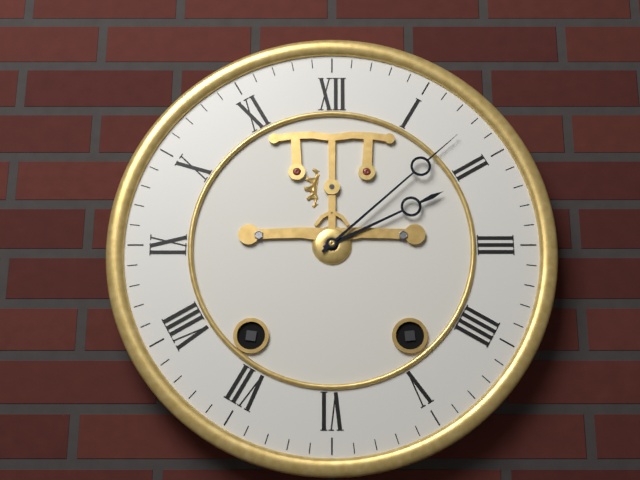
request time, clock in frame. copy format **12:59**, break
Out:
**2:08**
